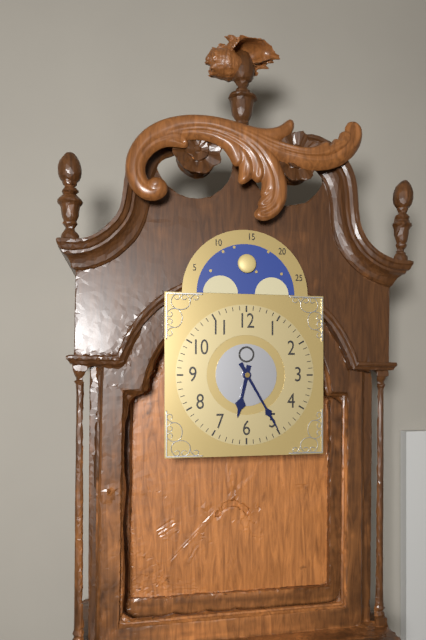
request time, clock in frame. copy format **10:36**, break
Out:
**6:25**
